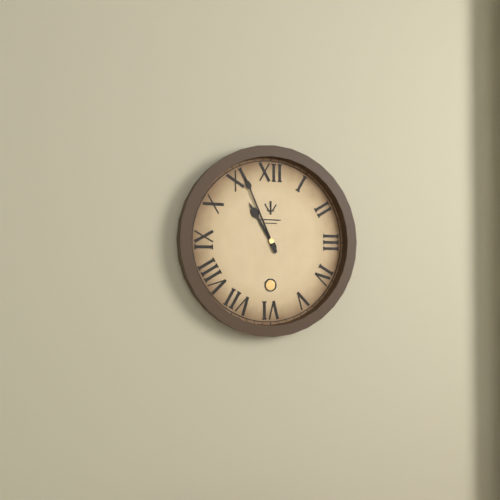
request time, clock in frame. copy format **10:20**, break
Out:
**10:56**
